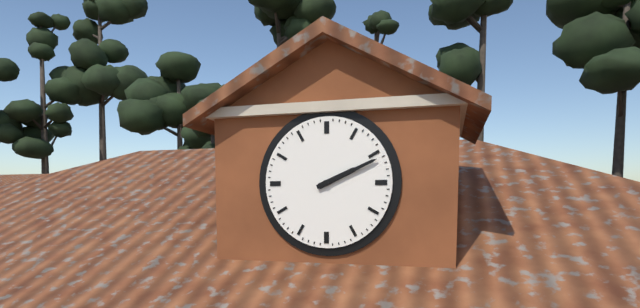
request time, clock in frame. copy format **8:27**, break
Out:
**2:11**
